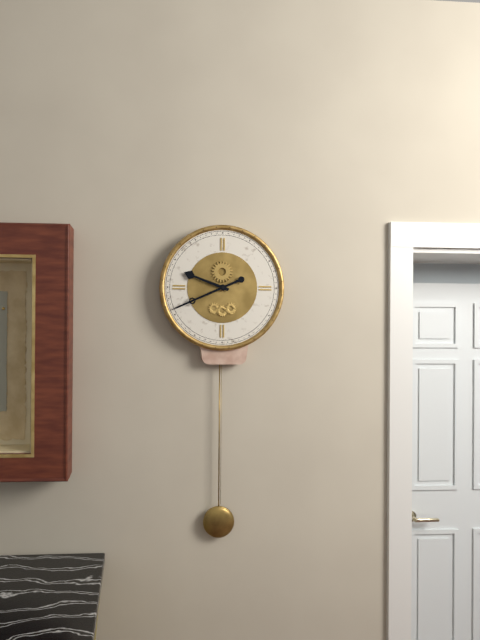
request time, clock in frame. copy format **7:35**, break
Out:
**9:41**
